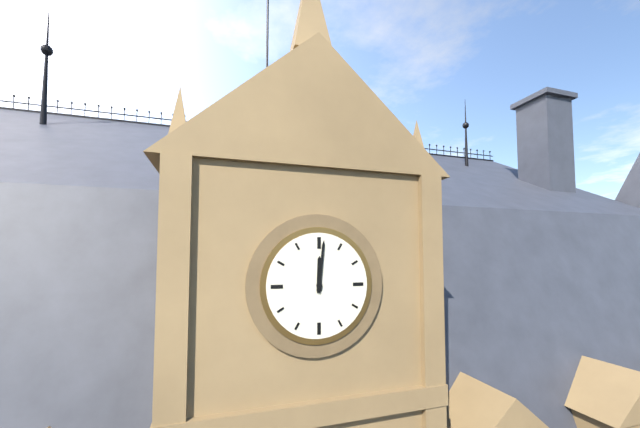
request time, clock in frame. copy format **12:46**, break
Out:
**12:01**
